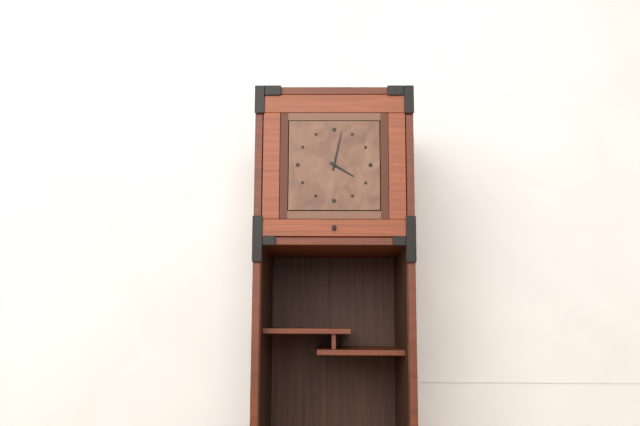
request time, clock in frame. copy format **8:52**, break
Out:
**4:02**
